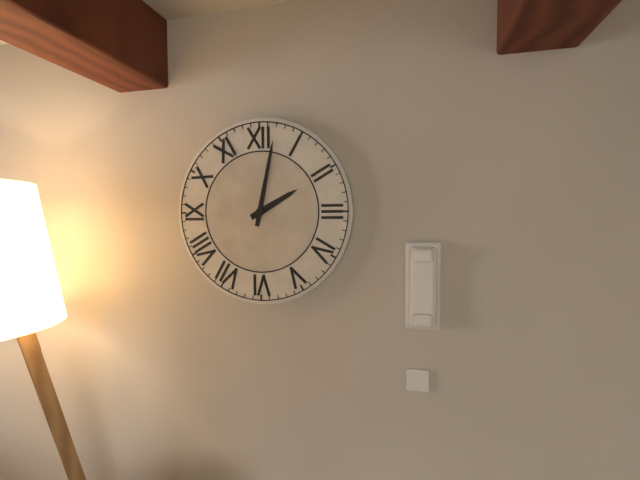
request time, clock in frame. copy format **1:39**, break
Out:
**2:02**
